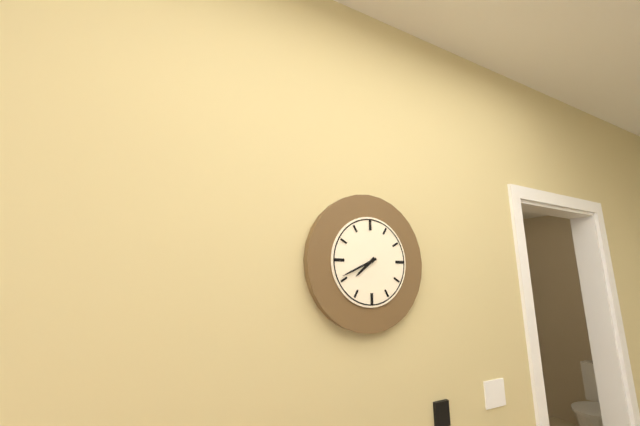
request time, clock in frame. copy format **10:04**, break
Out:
**7:41**
